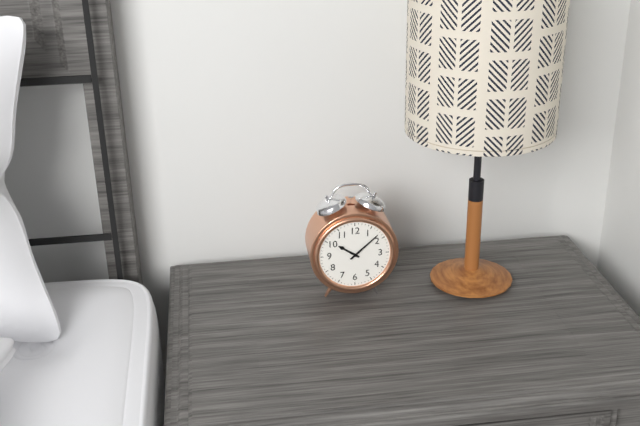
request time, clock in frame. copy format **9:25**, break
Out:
**10:08**
